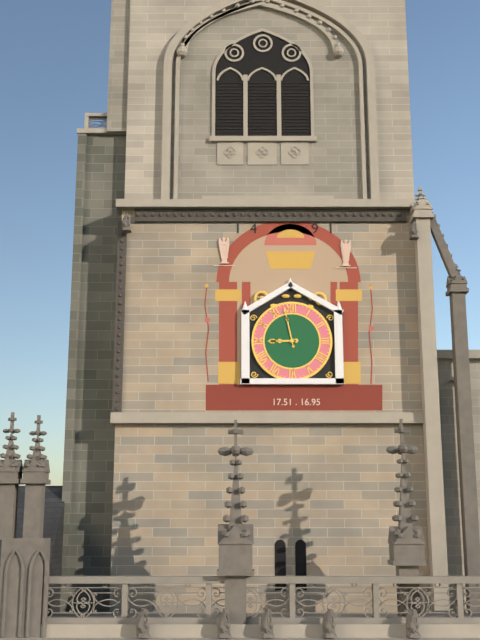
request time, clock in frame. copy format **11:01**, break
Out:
**8:58**
